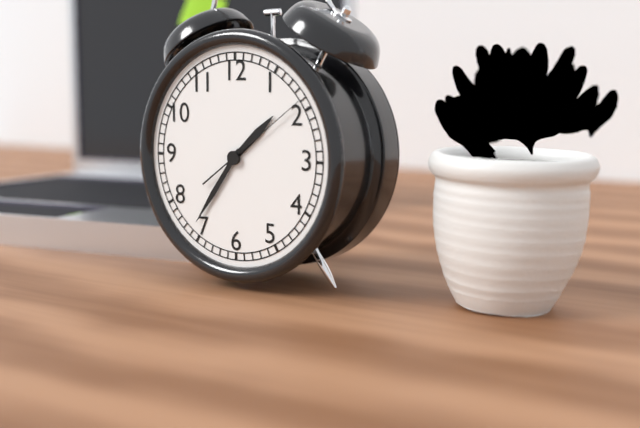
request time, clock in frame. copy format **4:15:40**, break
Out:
**1:36:09**
